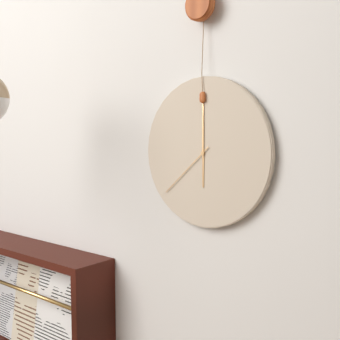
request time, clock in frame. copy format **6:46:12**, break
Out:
**6:00:38**
